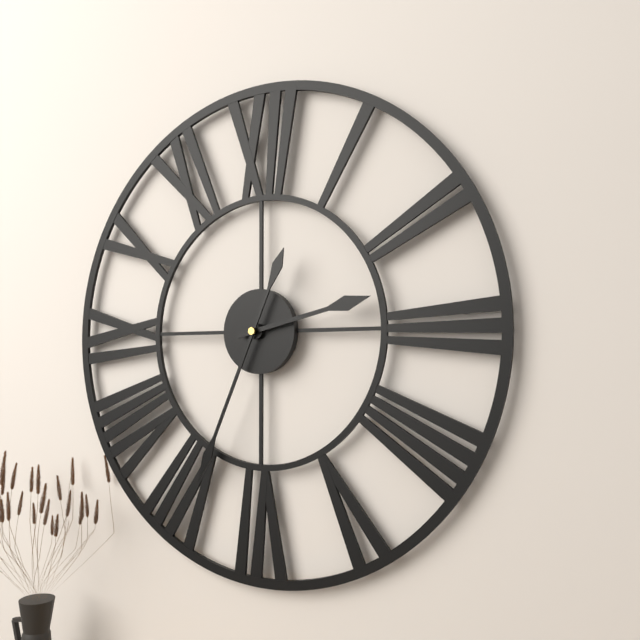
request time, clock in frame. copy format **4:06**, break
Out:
**2:34**
